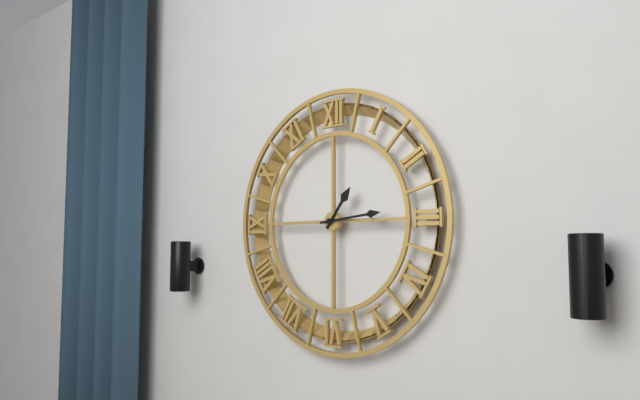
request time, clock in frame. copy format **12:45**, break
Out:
**1:14**
